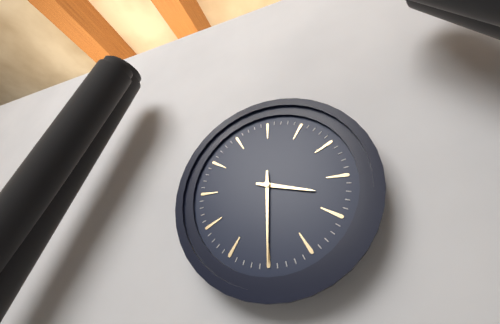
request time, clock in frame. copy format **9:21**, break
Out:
**3:30**
